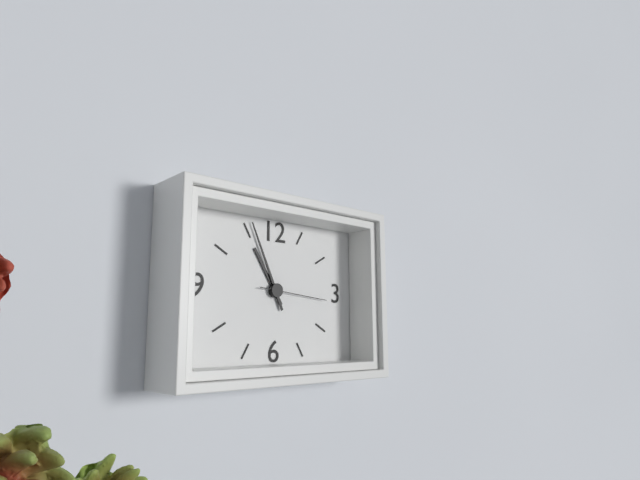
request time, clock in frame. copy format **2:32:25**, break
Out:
**10:56:16**
